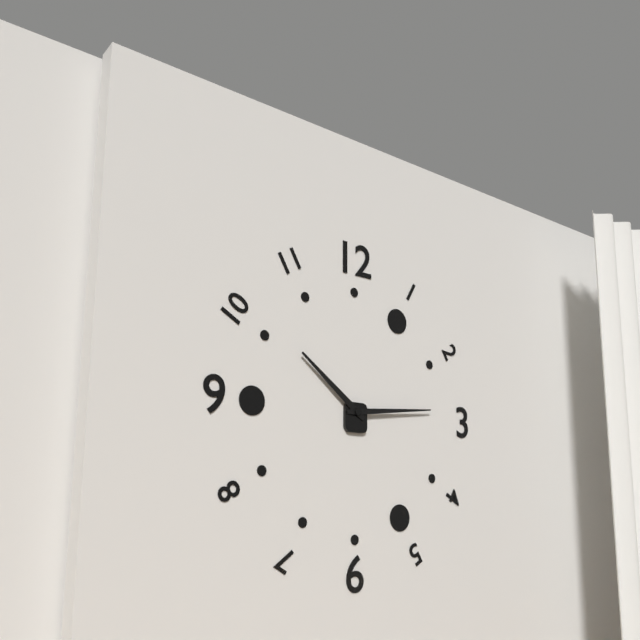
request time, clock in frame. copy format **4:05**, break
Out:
**10:14**
